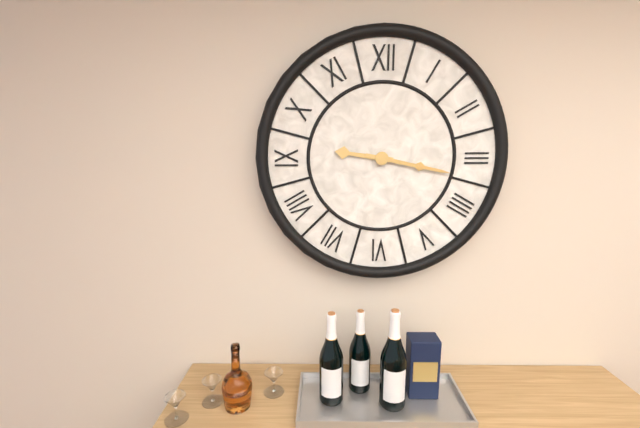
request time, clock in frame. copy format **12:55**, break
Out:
**9:17**
